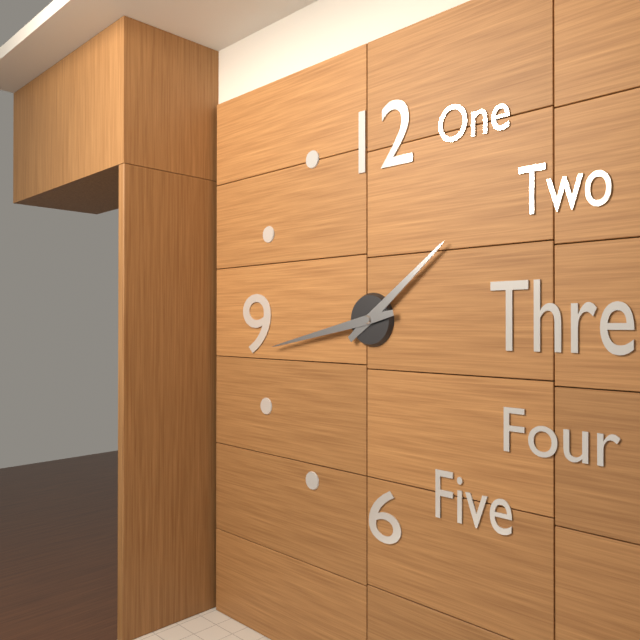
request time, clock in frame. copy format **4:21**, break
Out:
**1:43**
